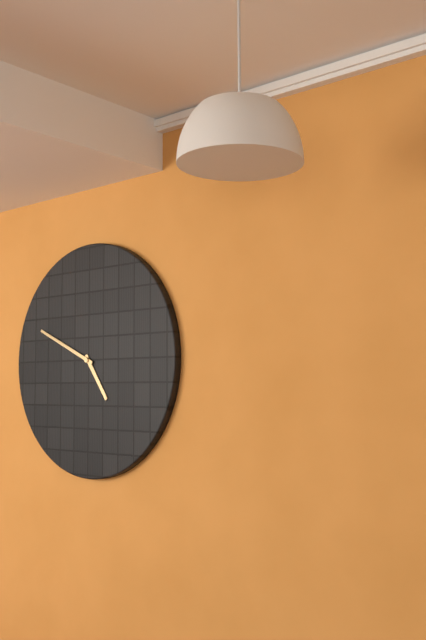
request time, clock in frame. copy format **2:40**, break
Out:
**4:49**
